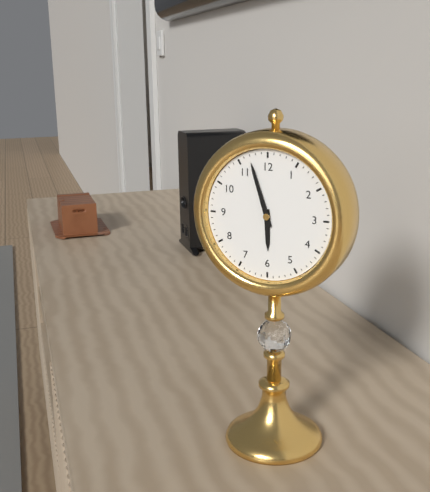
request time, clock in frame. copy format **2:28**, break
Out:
**5:57**
